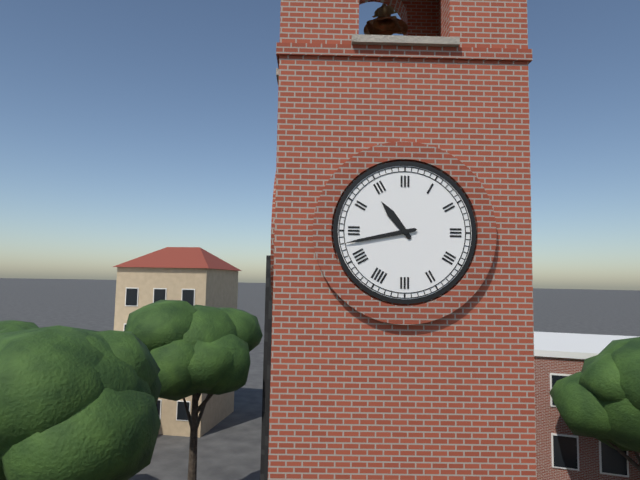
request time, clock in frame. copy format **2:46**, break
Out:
**10:43**
